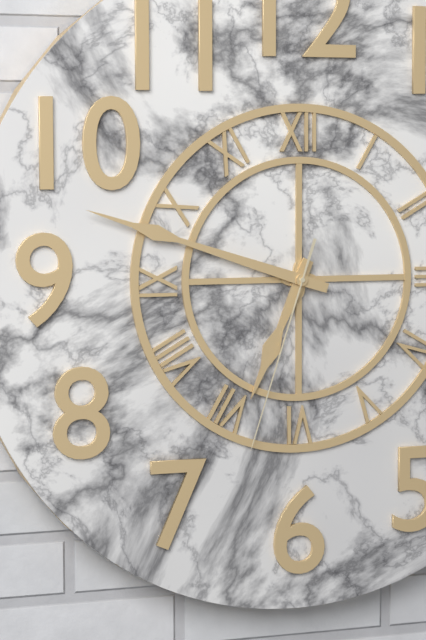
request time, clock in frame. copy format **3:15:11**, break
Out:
**6:48:33**
